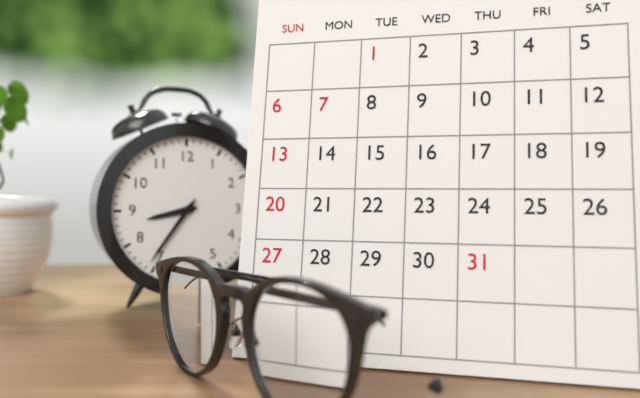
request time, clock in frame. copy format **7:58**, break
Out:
**8:36**
